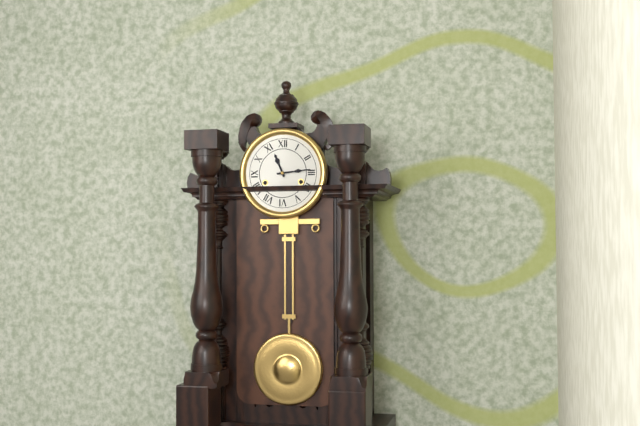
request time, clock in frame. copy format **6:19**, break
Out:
**11:14**
